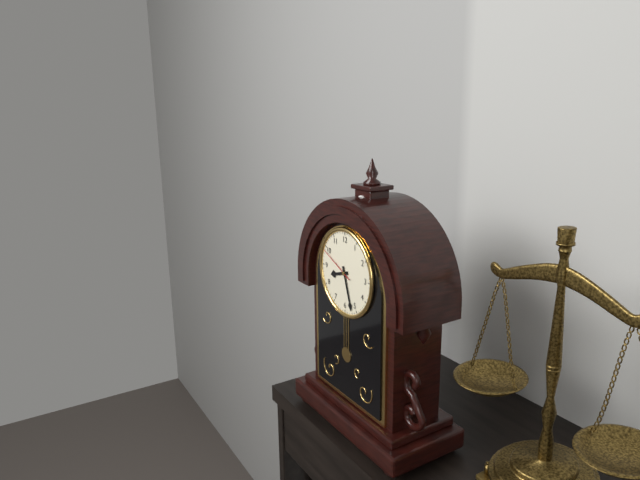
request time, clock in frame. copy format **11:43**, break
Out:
**8:27**
